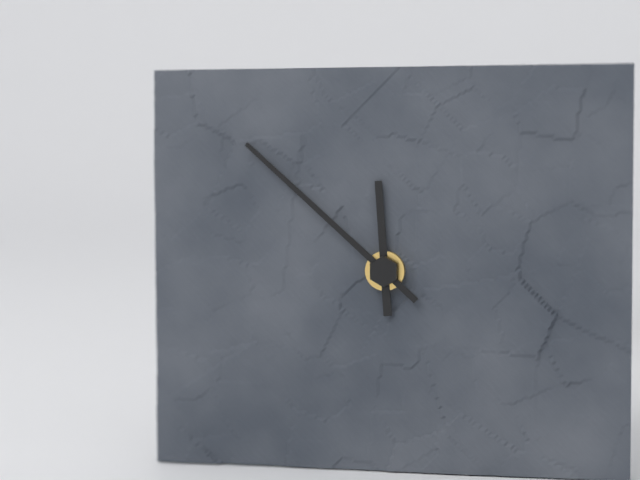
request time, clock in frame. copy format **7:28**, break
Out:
**11:52**
